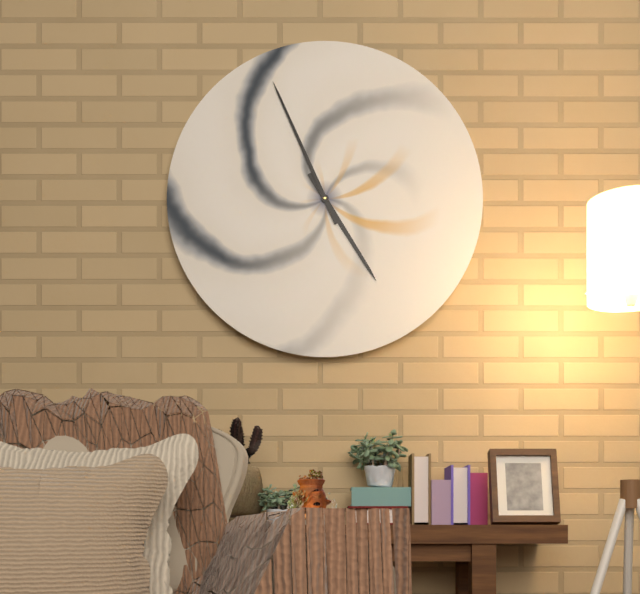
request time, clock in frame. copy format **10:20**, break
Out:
**4:56**
